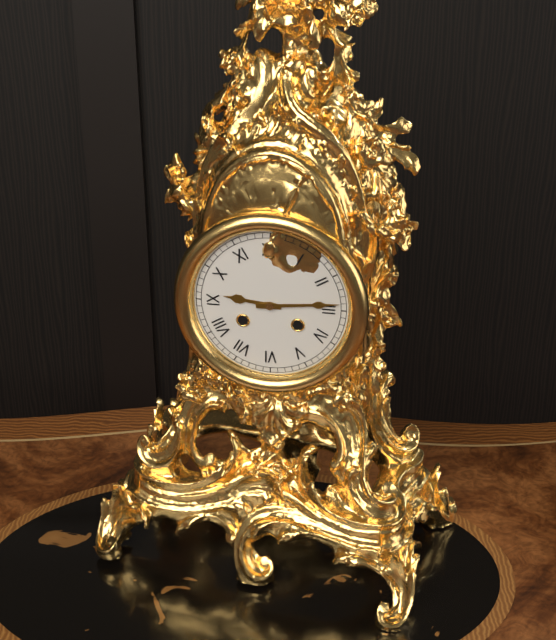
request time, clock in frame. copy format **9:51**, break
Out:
**9:14**
